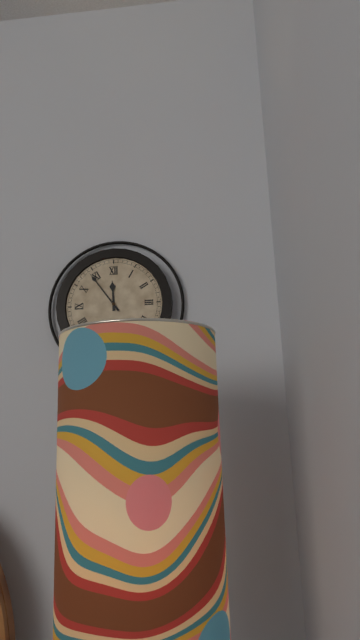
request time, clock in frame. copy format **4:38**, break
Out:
**11:54**
